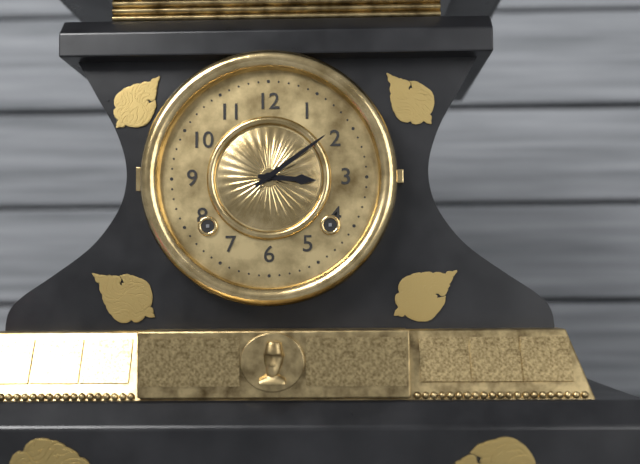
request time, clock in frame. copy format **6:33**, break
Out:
**3:09**
